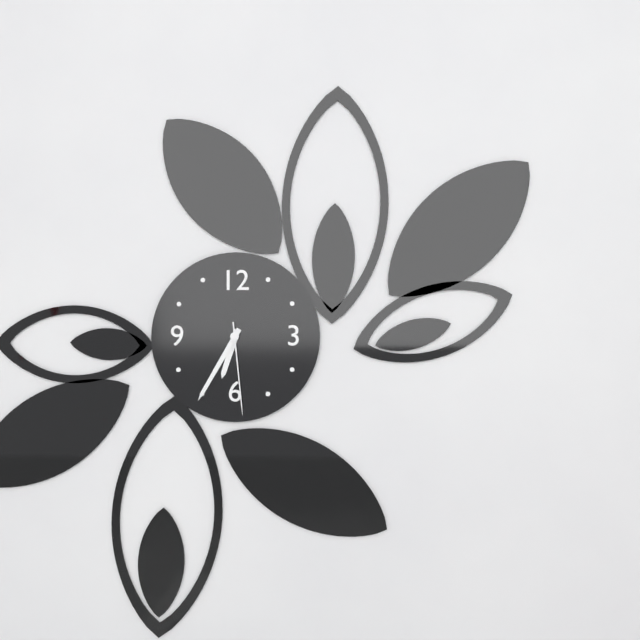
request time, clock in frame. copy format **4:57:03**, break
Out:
**6:35:29**
